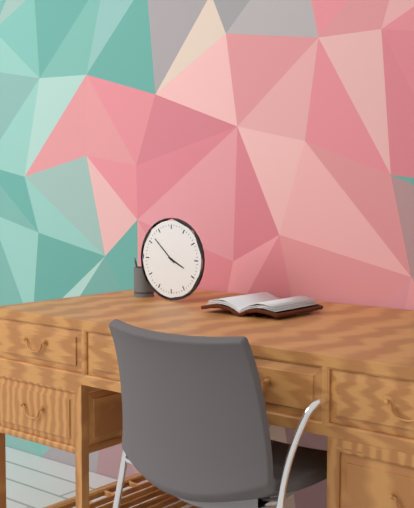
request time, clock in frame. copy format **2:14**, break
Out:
**3:52**
